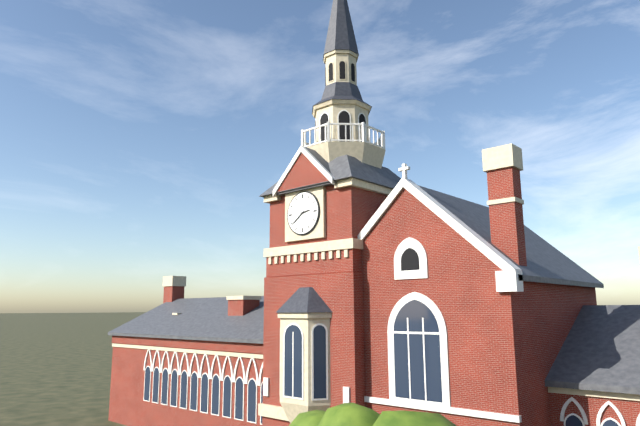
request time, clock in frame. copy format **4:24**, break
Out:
**2:39**
